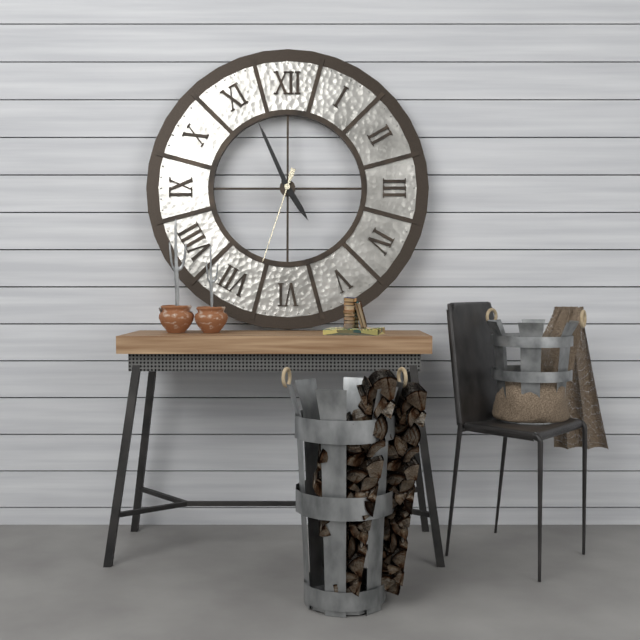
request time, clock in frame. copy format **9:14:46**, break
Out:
**4:56:33**
